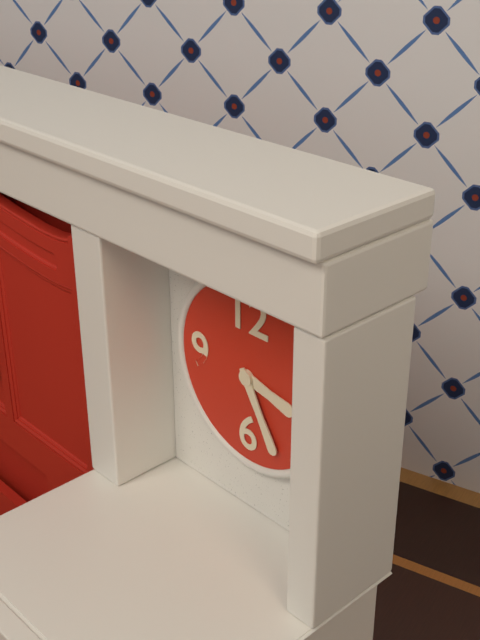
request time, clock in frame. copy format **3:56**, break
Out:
**3:25**
